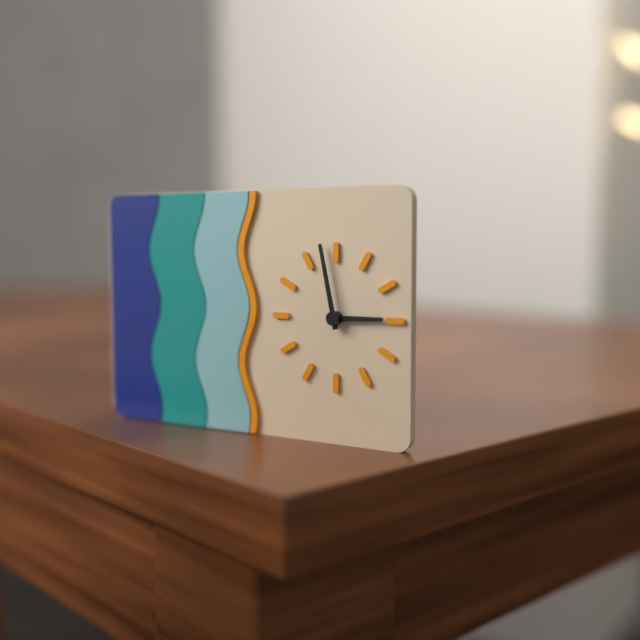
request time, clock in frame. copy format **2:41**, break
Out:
**2:58**
